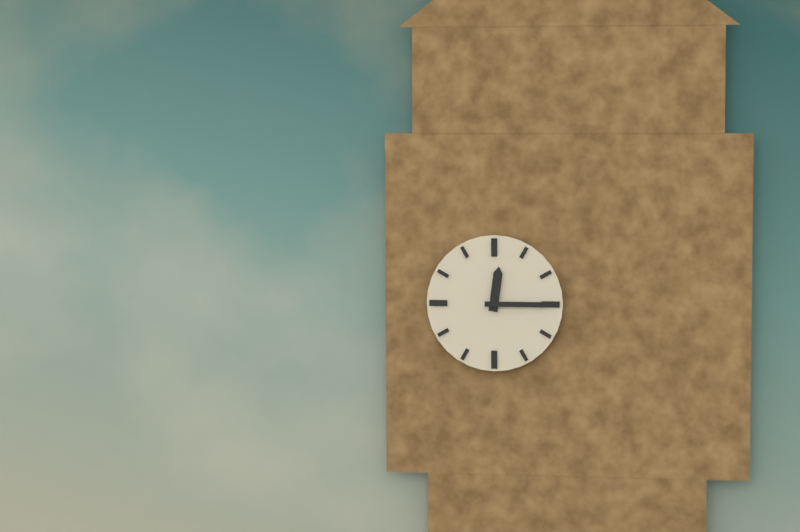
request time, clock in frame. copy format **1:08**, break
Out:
**12:15**
